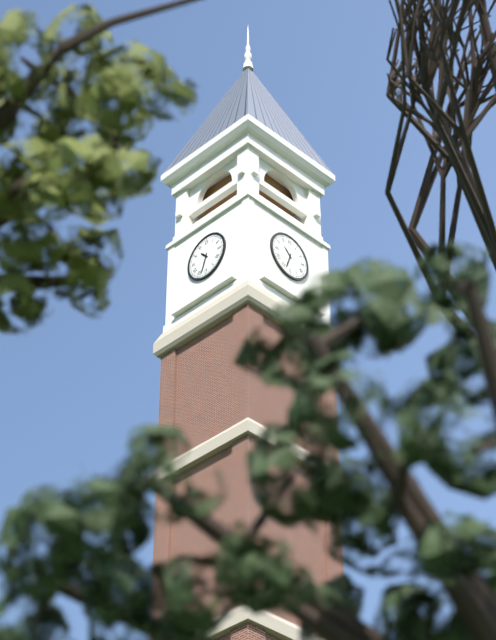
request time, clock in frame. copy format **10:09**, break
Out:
**10:33**
